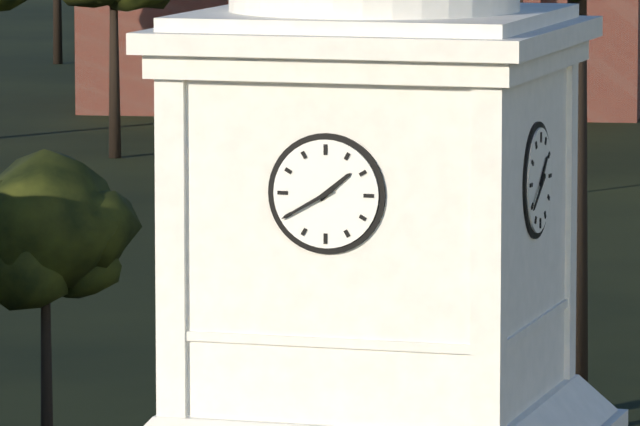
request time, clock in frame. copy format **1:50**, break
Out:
**1:40**
